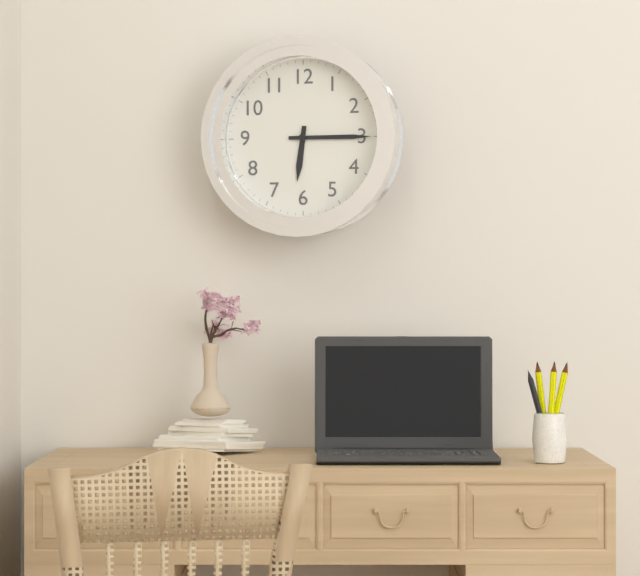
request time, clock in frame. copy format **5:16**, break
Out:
**6:15**
